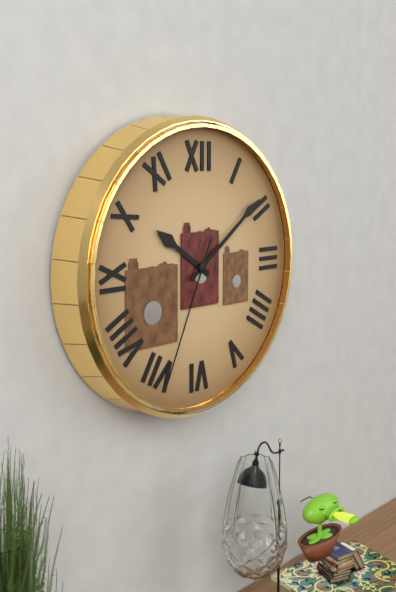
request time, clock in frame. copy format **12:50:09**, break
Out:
**10:09:34**
